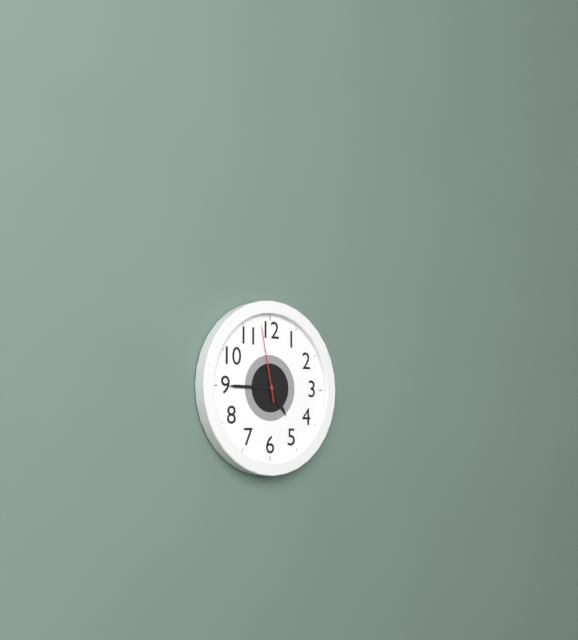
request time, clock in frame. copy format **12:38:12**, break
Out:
**4:45:58**
